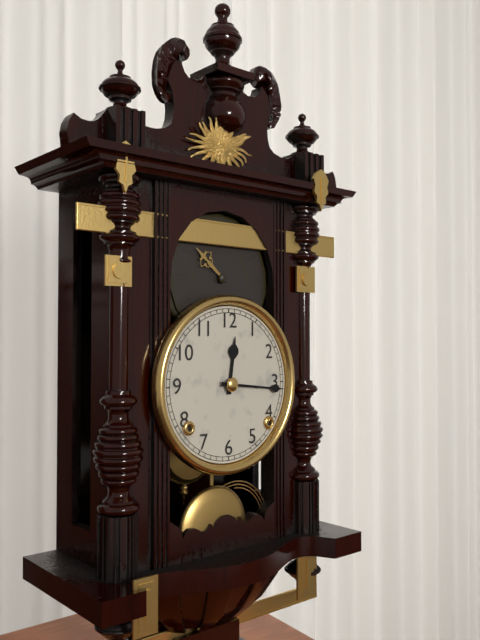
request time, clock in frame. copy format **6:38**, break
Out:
**12:16**
